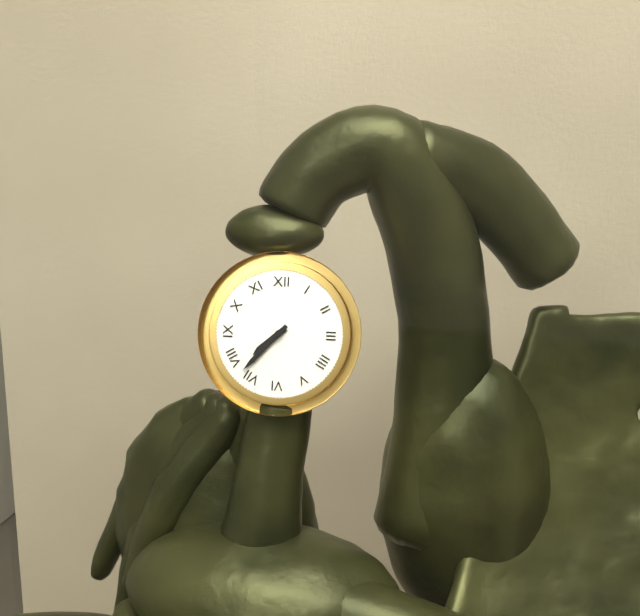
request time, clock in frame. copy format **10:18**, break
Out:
**7:37**
